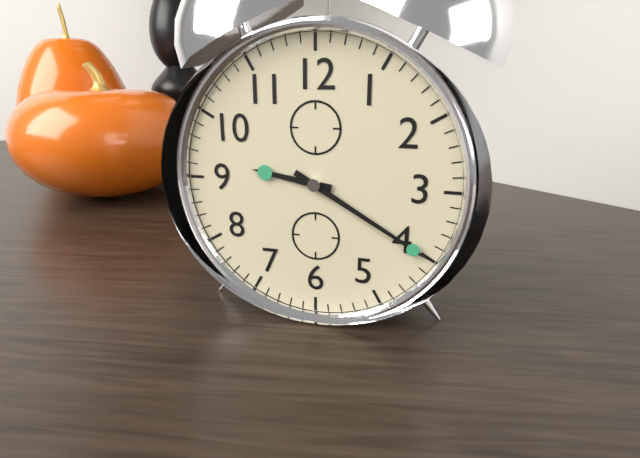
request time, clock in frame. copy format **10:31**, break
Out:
**9:20**
